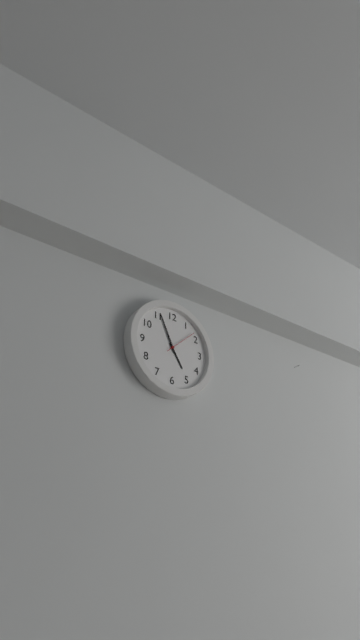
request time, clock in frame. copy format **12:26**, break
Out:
**4:56**
